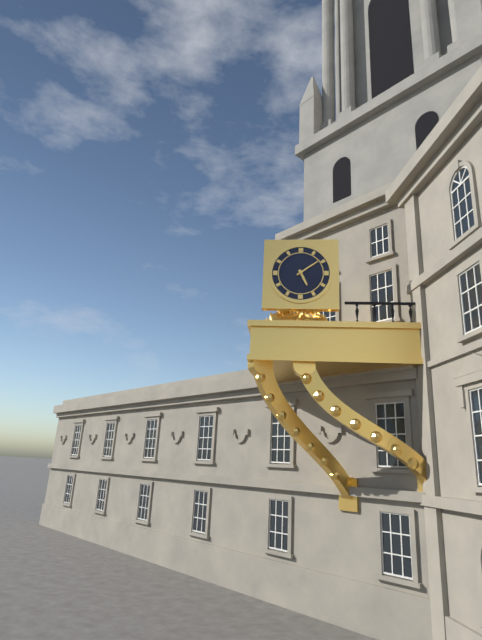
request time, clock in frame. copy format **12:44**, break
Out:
**5:09**
